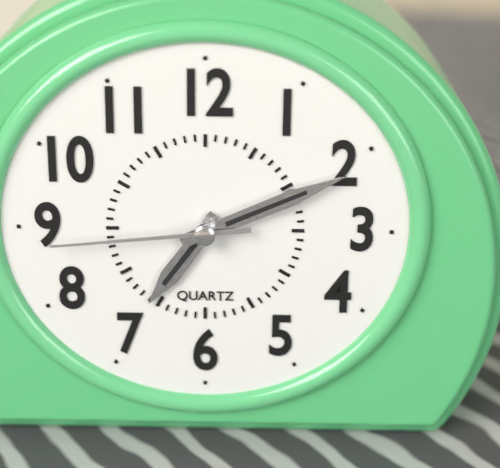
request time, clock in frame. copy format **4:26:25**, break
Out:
**7:11:44**
